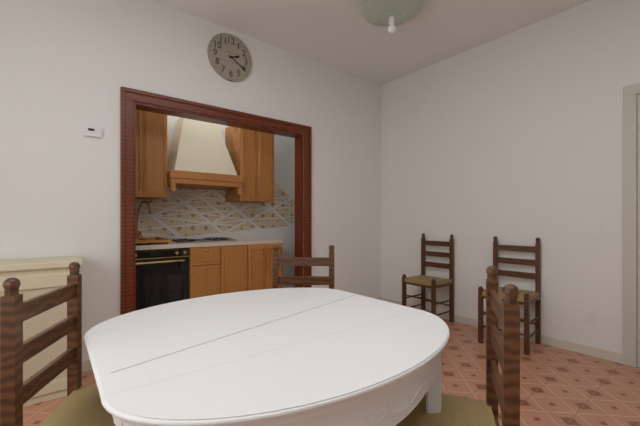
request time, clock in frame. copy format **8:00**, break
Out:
**2:20**
